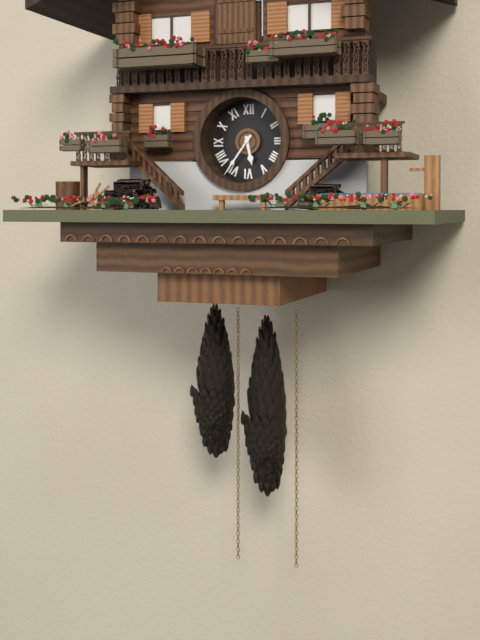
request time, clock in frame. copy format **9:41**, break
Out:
**5:36**
